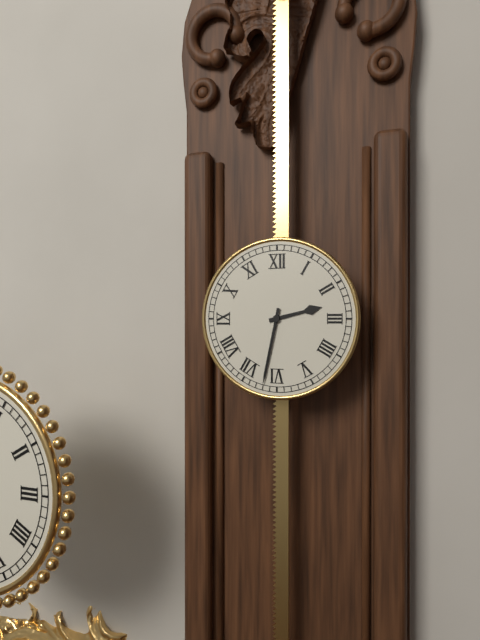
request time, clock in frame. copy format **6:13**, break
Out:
**2:32**
